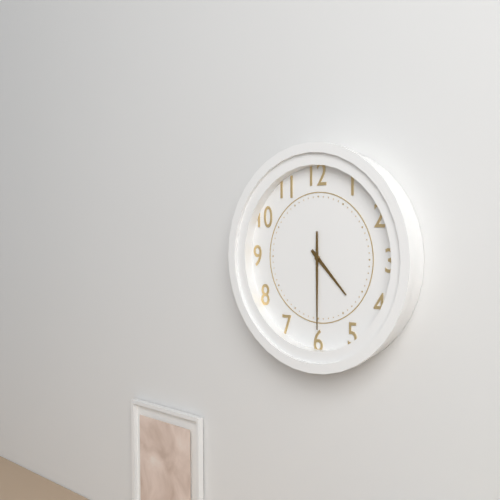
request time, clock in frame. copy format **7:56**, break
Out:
**4:30**
